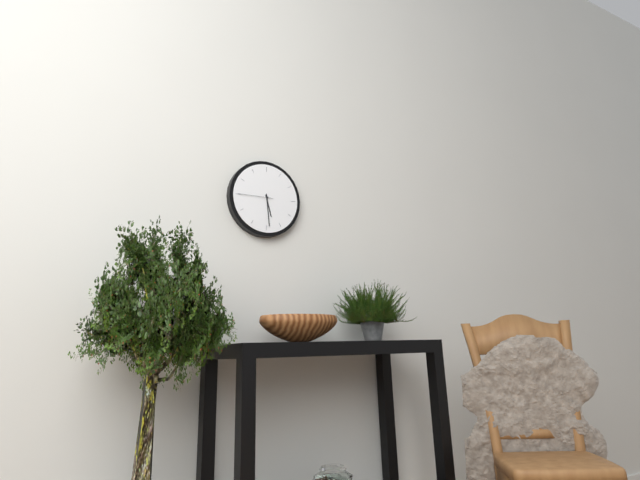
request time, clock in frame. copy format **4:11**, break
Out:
**5:29**
